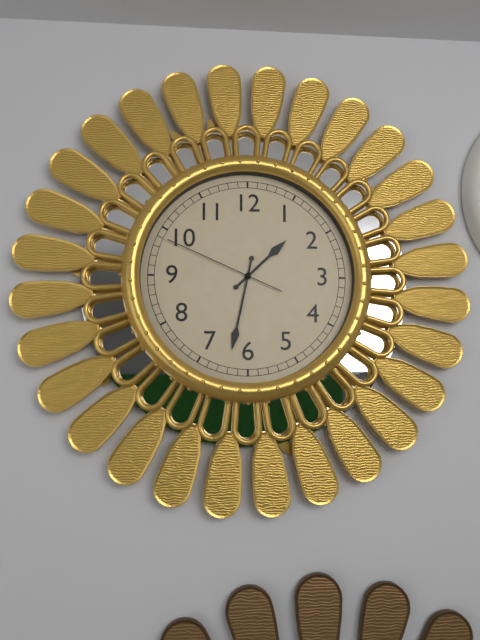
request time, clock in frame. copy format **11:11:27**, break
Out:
**1:32:49**
